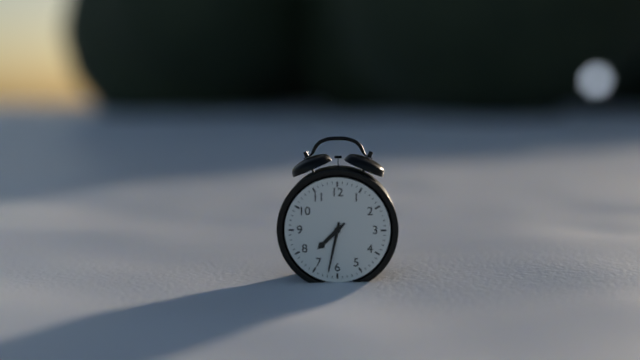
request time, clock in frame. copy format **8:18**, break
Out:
**7:32**
